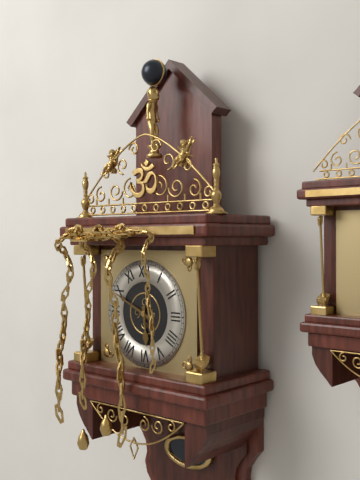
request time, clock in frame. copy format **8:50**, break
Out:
**5:49**
